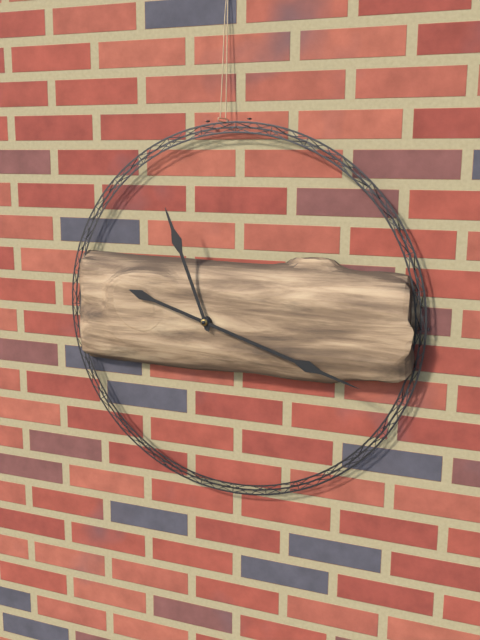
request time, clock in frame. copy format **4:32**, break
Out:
**11:18**
